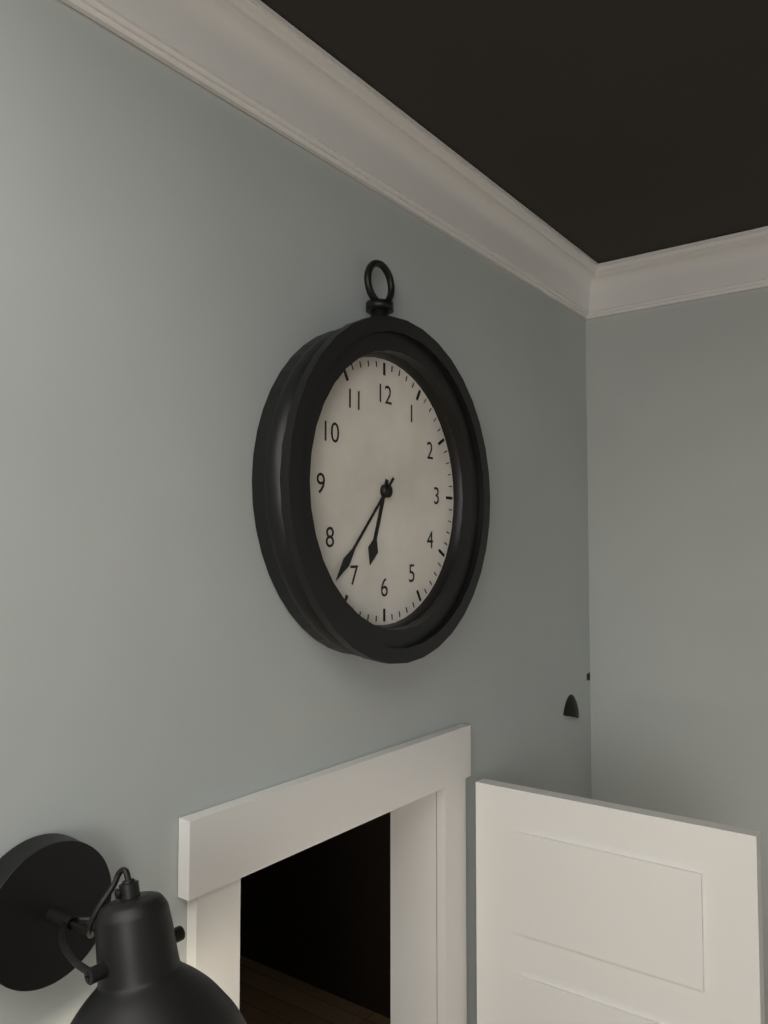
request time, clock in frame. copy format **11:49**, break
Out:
**6:37**
